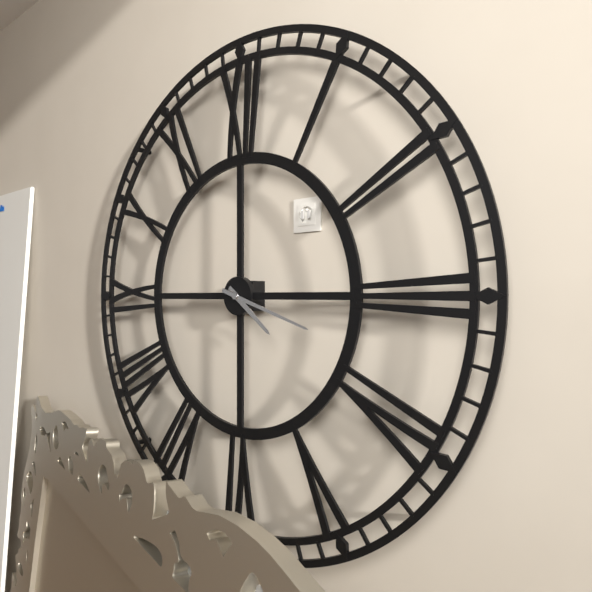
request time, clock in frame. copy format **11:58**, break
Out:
**4:18**
